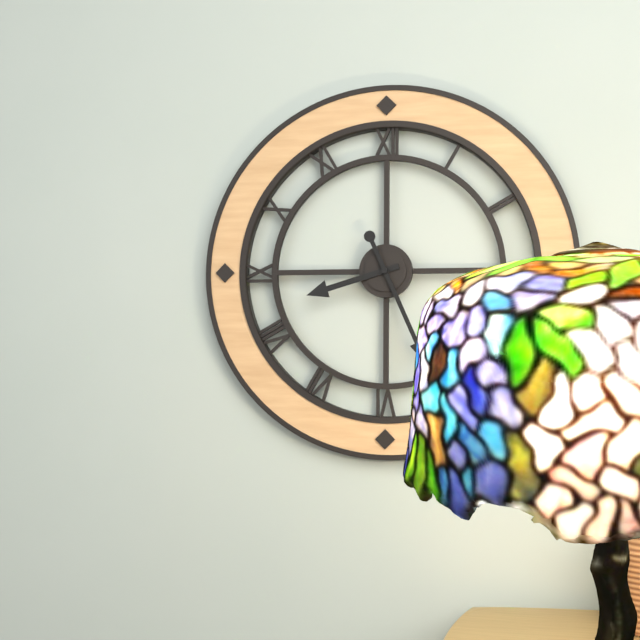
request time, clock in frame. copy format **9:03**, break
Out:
**8:26**
